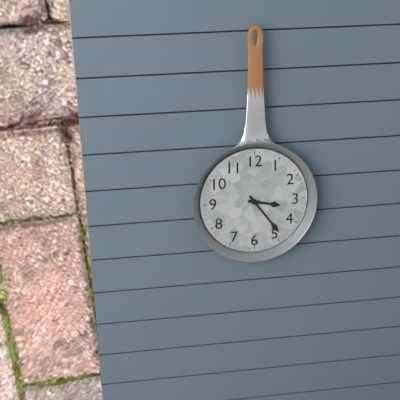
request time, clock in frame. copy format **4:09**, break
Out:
**3:24**
